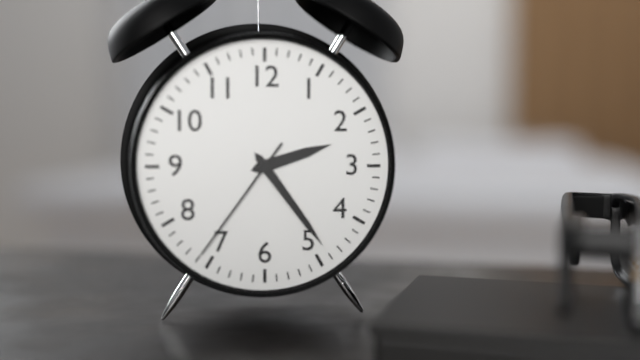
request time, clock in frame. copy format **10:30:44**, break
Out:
**2:24:36**
